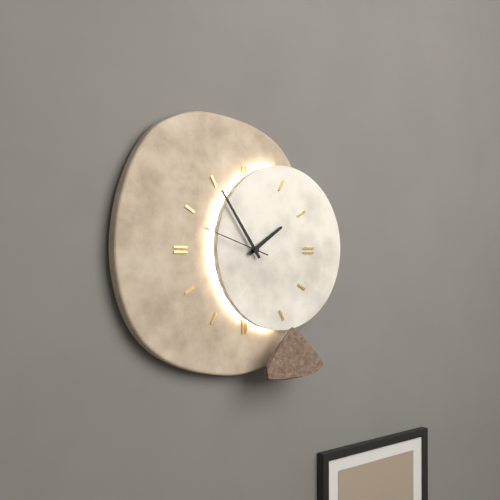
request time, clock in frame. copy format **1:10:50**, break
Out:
**1:54:48**
